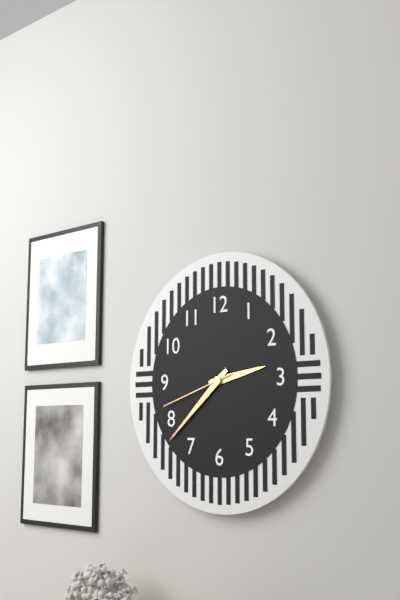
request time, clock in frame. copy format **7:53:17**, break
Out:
**2:38:42**
